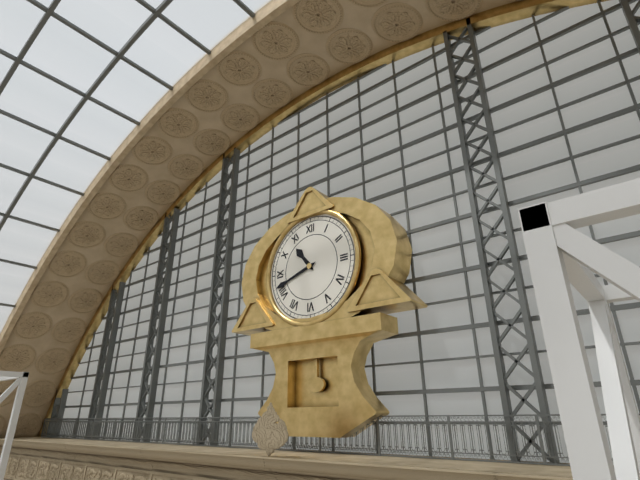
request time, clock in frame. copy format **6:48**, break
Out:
**10:42**
